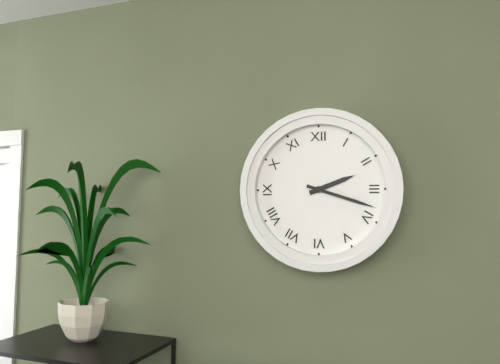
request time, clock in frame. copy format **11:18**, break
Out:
**2:18**
